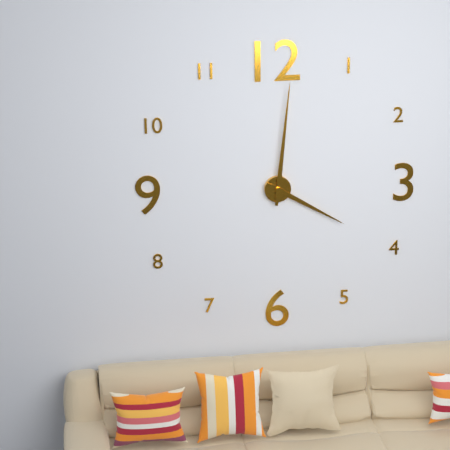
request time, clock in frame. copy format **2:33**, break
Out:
**4:01**
